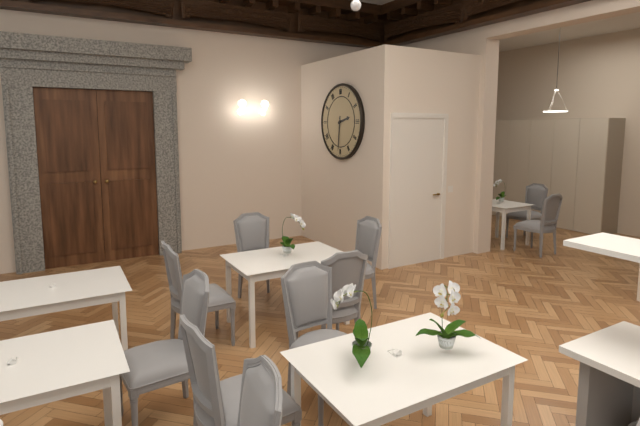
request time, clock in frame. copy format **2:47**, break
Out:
**2:31**
